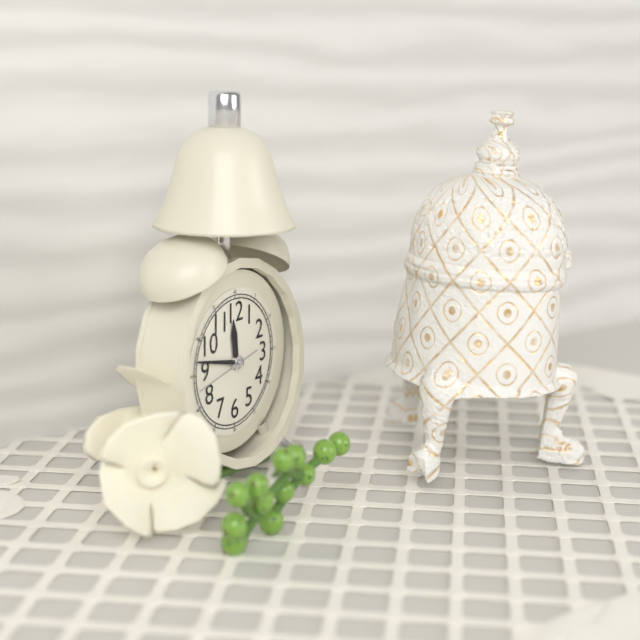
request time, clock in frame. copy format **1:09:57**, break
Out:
**11:47:43**
